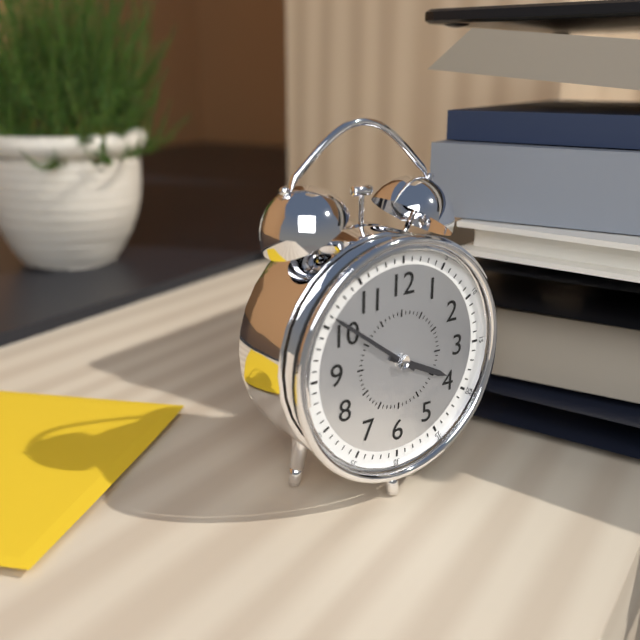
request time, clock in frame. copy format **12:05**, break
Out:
**3:51**
